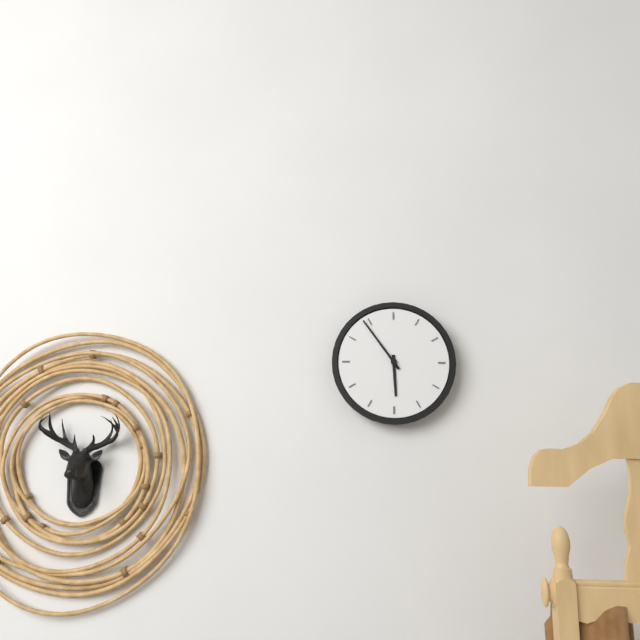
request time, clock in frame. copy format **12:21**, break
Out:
**5:54**
